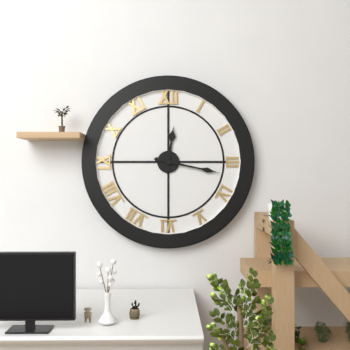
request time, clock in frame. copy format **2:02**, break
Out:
**12:17**
